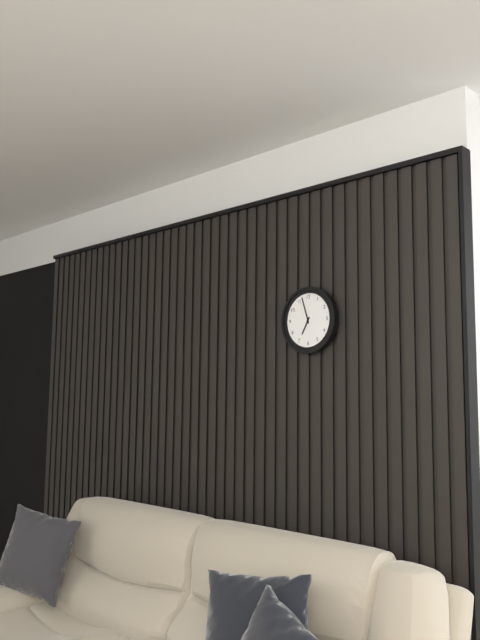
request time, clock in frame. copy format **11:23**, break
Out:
**6:57**
